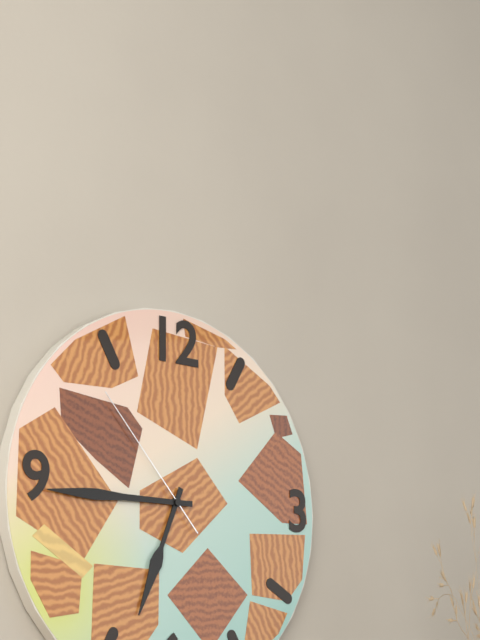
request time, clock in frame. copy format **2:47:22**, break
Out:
**6:45:53**
